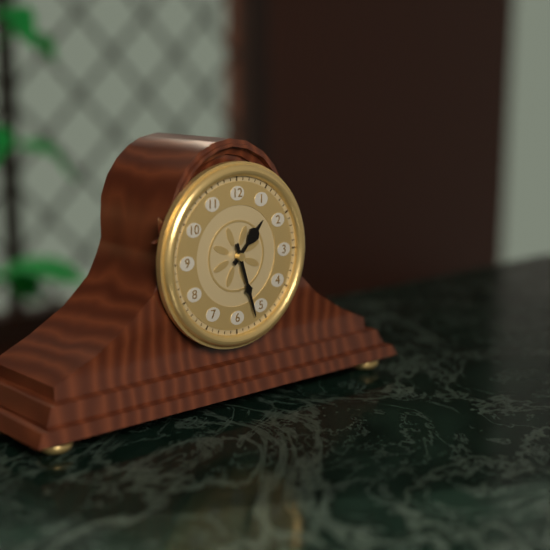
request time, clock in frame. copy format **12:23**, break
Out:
**1:27**
